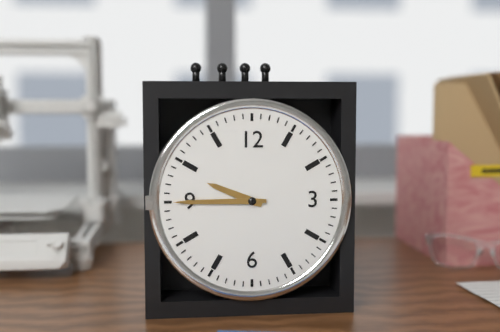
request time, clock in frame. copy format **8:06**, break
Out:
**9:45**
